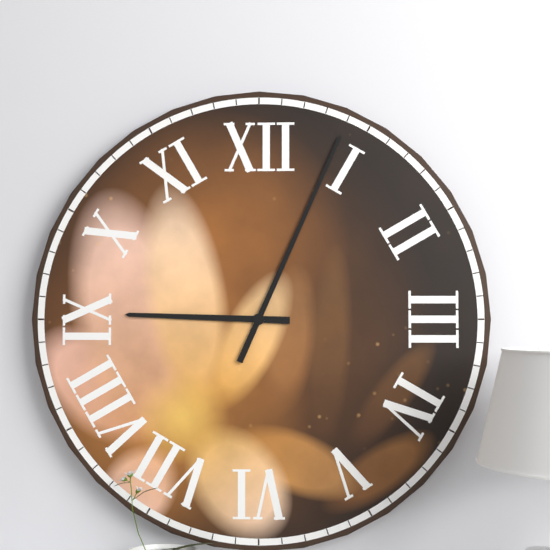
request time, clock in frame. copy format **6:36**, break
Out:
**9:04**
